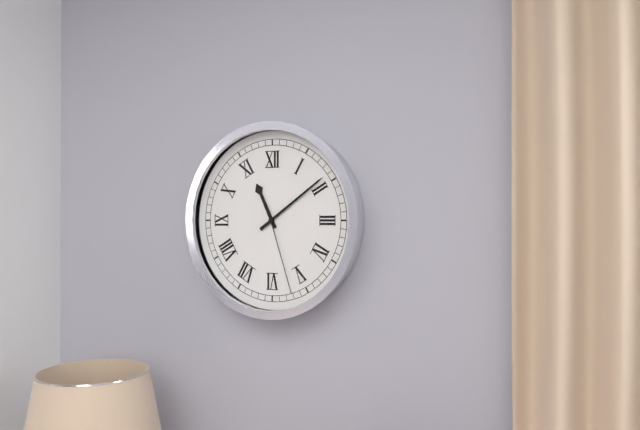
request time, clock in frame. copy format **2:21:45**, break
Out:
**11:09:27**
